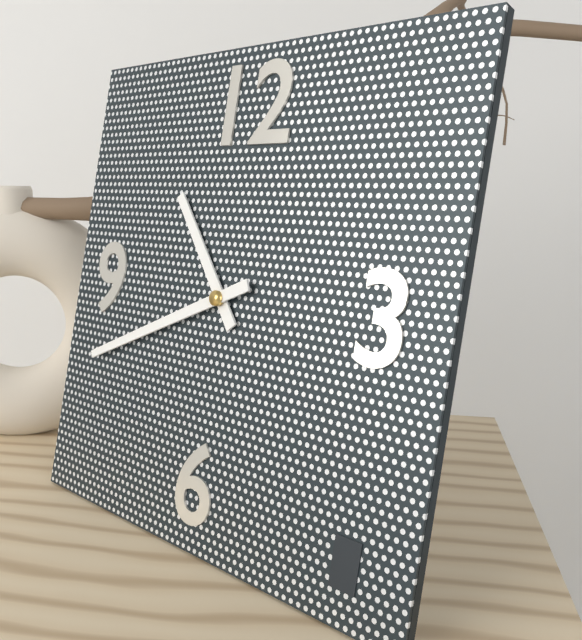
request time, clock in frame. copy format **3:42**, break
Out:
**10:41**
